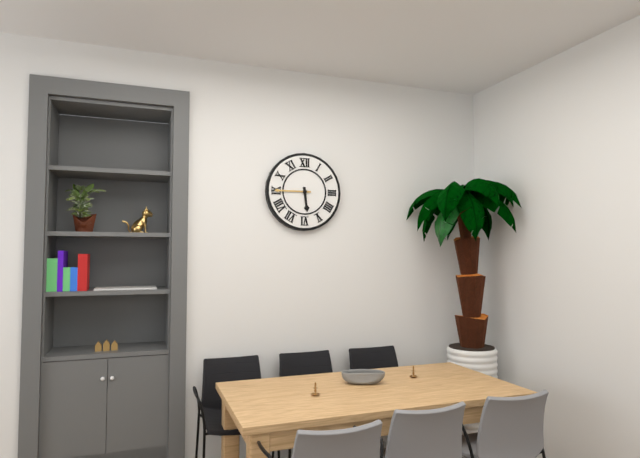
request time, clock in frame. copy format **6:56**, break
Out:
**5:45**
